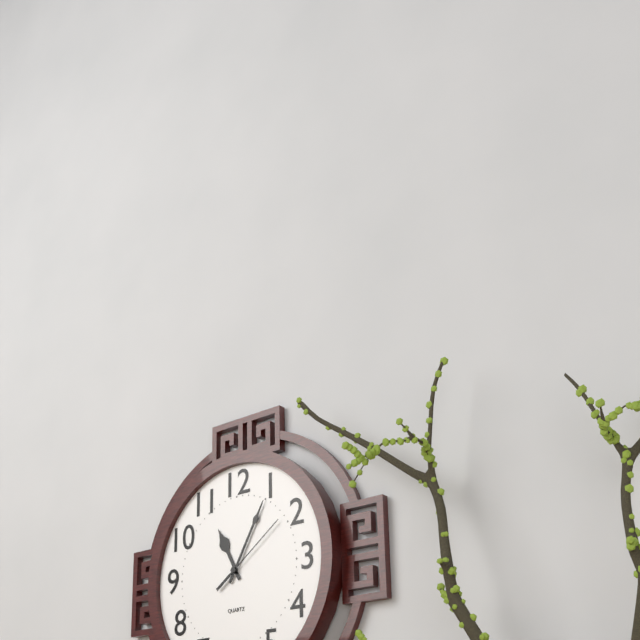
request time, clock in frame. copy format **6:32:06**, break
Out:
**11:05:09**
